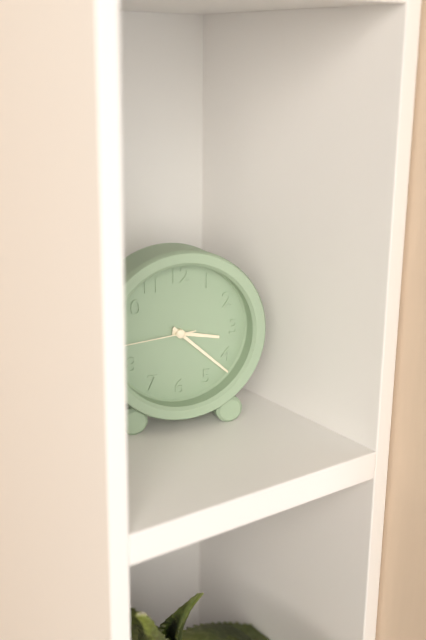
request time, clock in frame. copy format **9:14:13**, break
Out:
**3:22:44**
